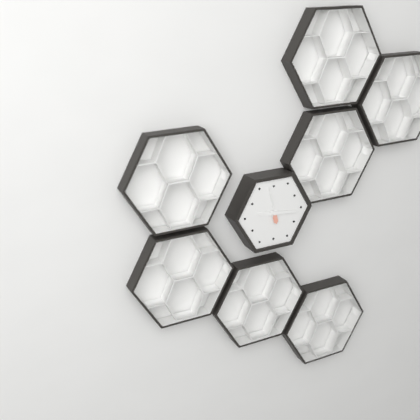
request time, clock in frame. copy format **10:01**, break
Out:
**9:16**
